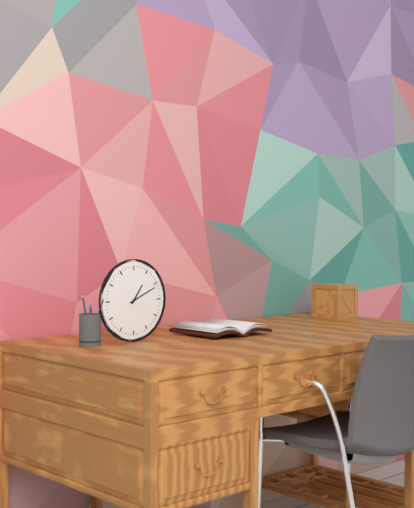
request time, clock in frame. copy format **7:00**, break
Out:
**1:11**
